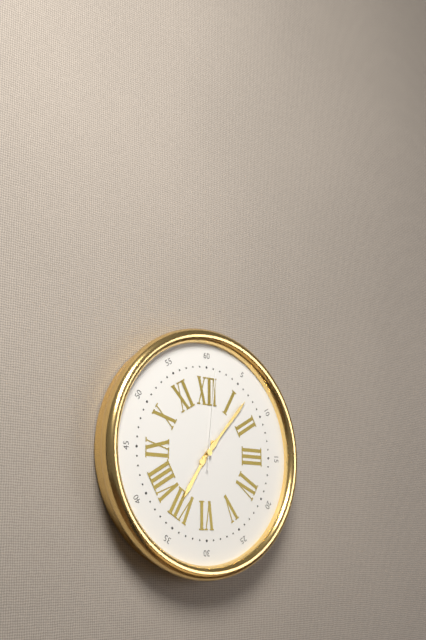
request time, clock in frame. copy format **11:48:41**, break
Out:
**7:07:01**
